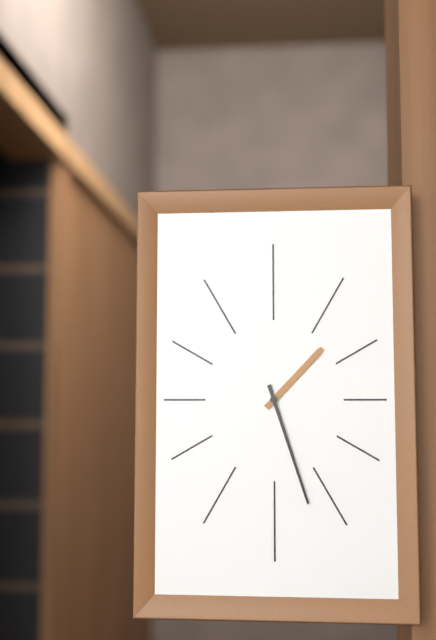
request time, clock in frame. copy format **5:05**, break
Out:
**1:27**
